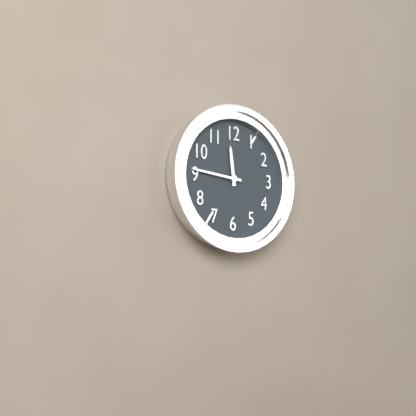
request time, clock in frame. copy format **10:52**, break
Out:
**11:46**
